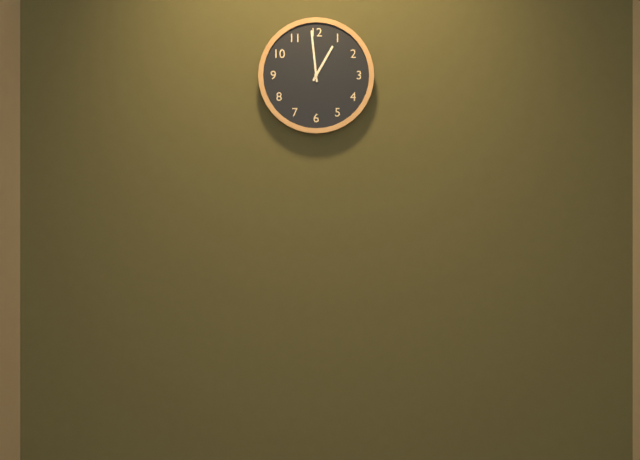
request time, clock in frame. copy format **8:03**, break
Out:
**12:59**
